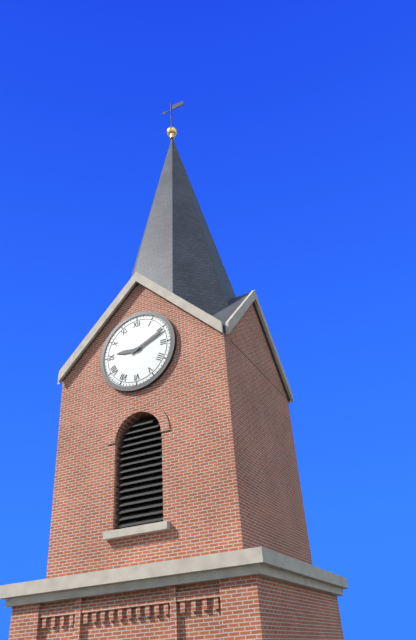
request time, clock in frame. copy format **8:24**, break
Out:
**9:11**
